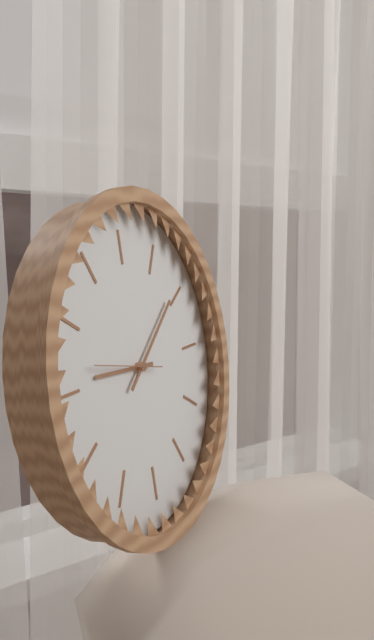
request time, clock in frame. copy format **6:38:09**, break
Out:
**9:09:47**
